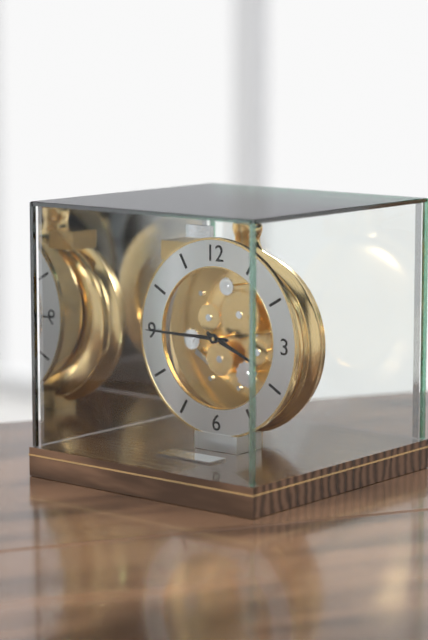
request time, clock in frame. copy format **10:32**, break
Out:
**3:45**
